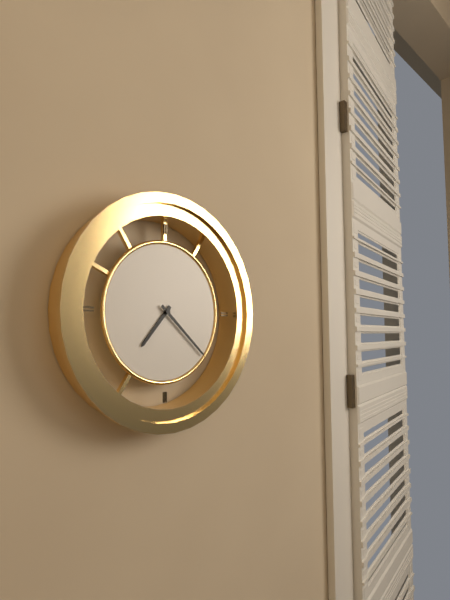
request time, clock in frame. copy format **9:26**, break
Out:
**7:22**
